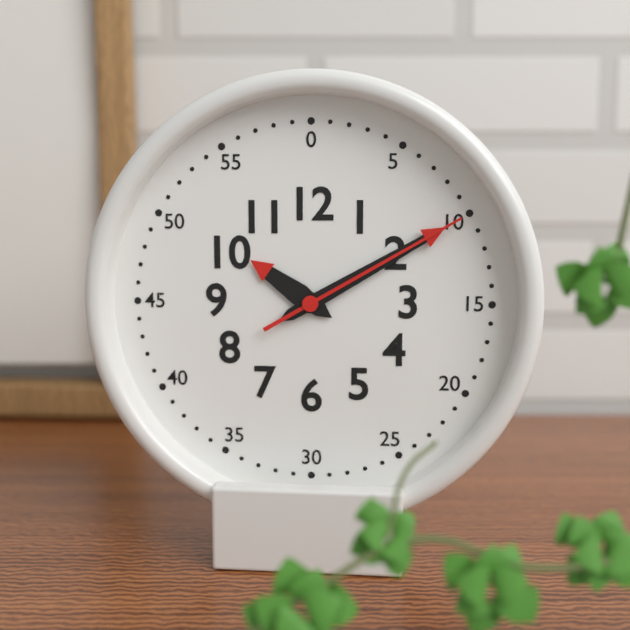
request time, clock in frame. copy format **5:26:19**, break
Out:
**10:10:10**
